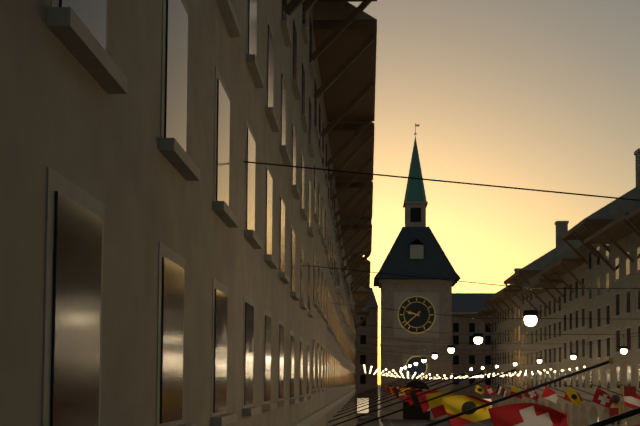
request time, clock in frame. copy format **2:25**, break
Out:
**9:38**
